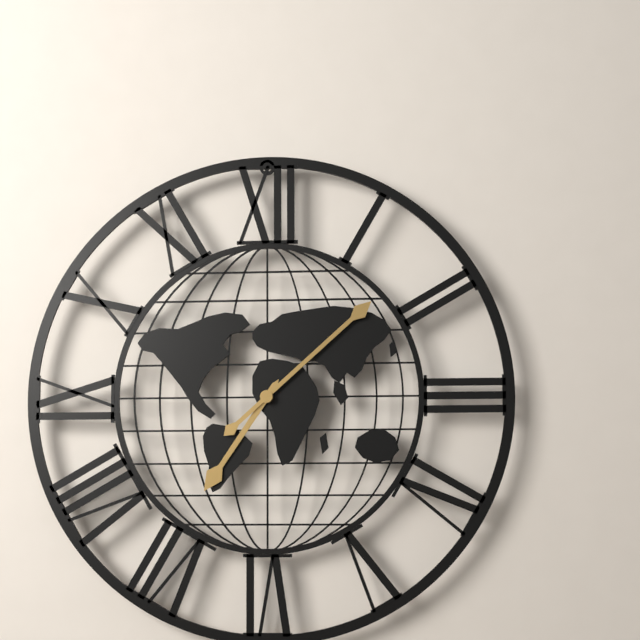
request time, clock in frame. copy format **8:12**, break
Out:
**7:08**
